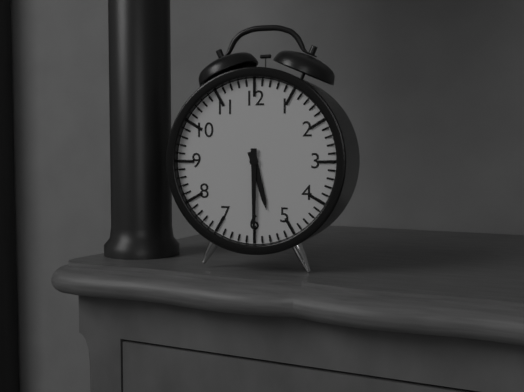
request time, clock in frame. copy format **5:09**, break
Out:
**5:30**
